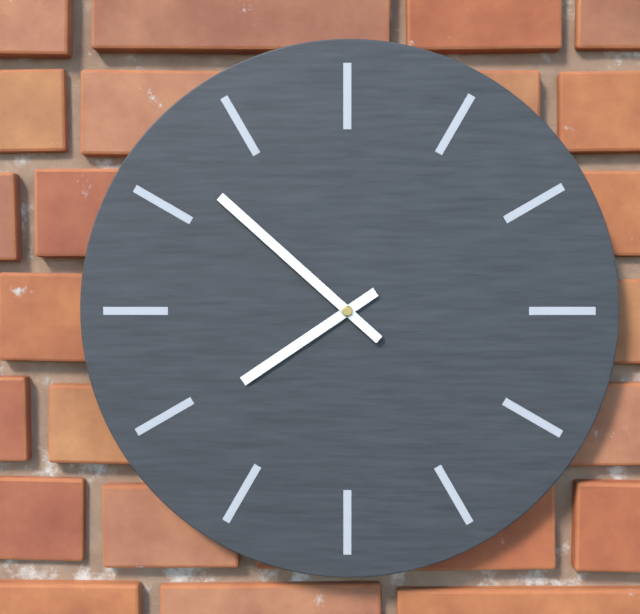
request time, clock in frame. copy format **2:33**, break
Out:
**7:52**
